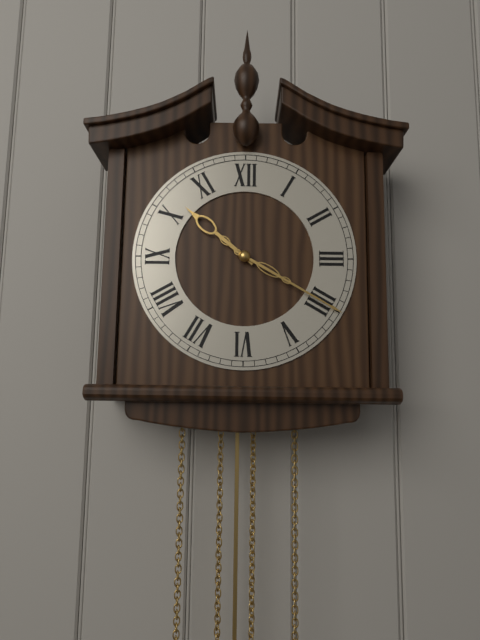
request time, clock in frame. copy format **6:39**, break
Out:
**10:20**
